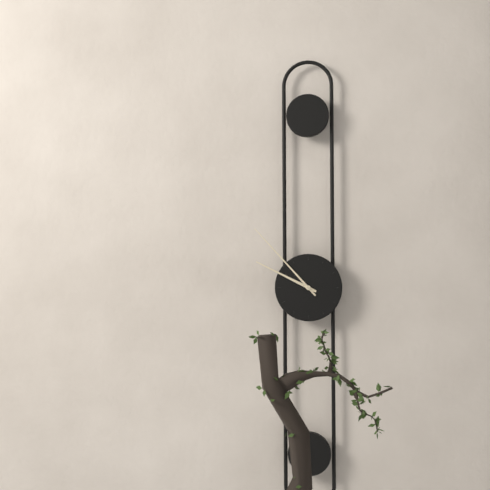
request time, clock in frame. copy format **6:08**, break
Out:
**9:53**
